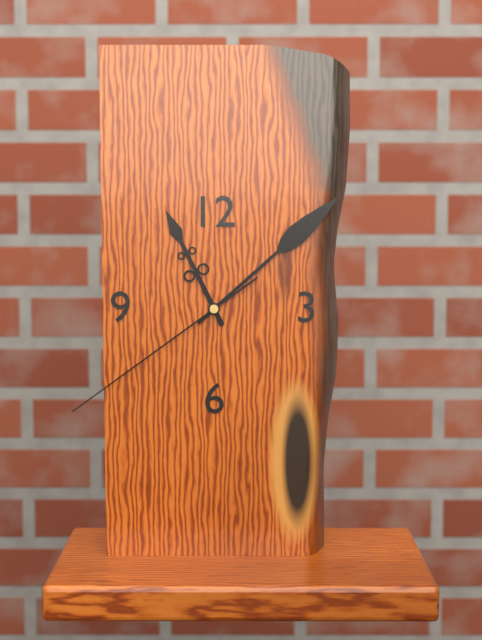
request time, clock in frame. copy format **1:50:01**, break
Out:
**11:08:39**
